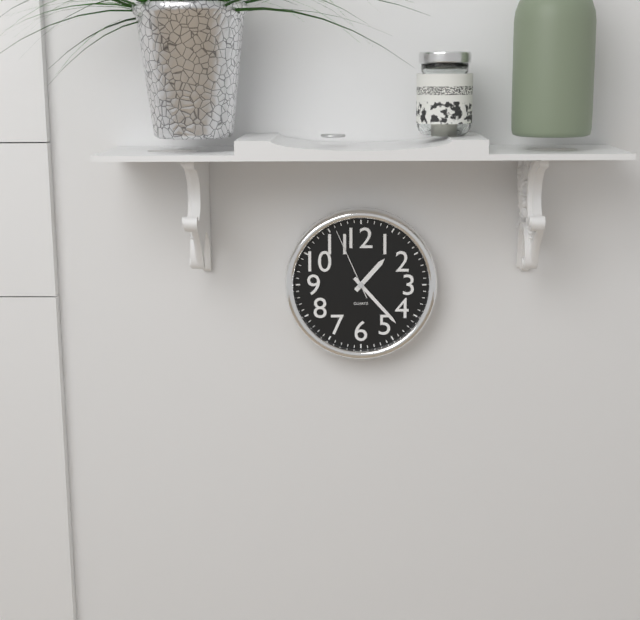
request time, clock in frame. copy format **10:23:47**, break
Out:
**1:23:56**
